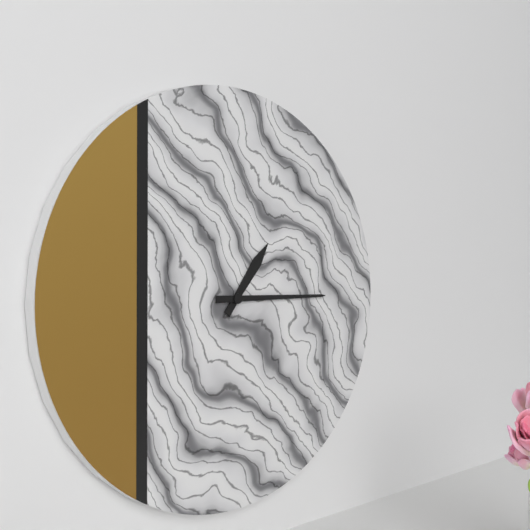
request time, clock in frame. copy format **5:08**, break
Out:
**1:15**
